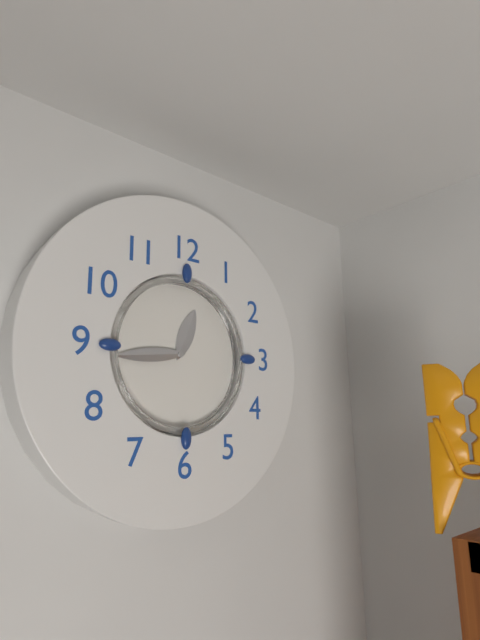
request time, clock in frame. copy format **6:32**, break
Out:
**12:44**
